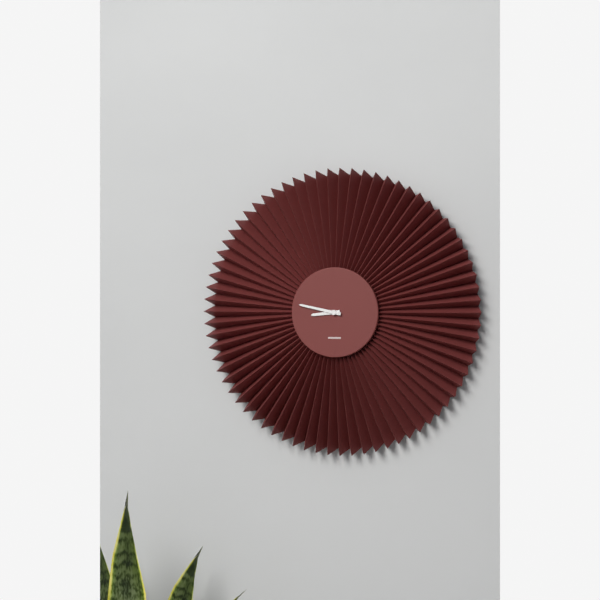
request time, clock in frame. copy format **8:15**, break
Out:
**8:47**
